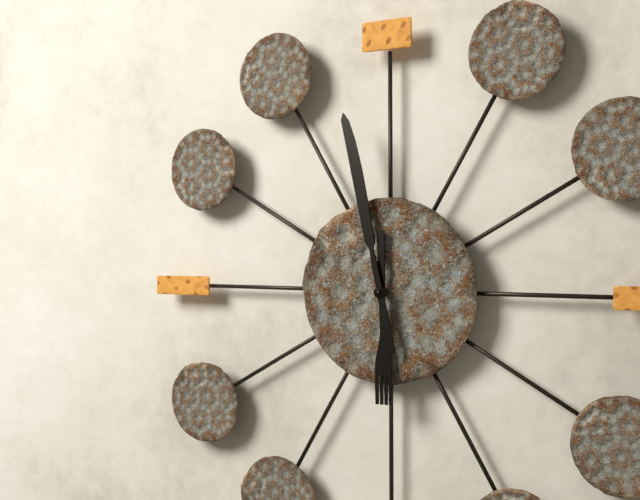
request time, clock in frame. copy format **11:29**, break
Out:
**5:58**
